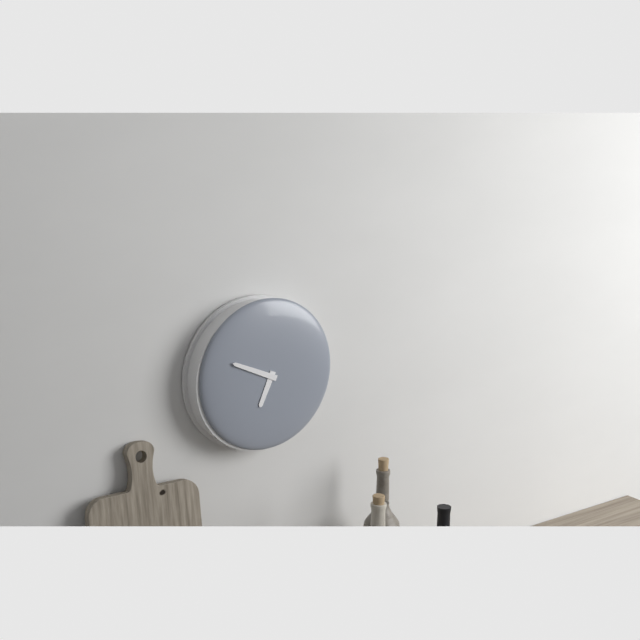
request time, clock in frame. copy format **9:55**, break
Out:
**6:49**
